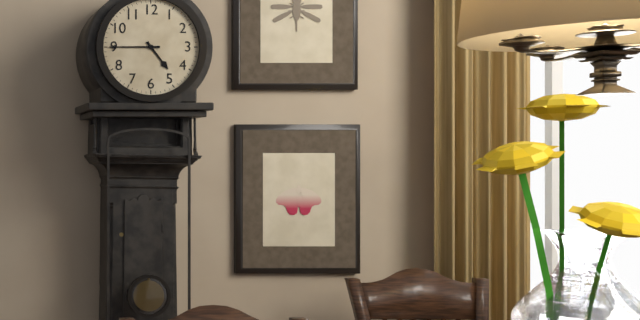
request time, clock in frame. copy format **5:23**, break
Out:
**4:45**
